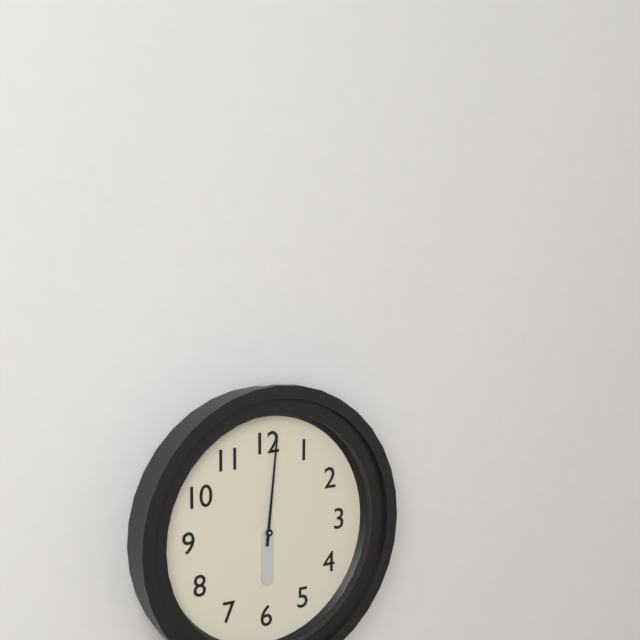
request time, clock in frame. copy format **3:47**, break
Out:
**6:01**
